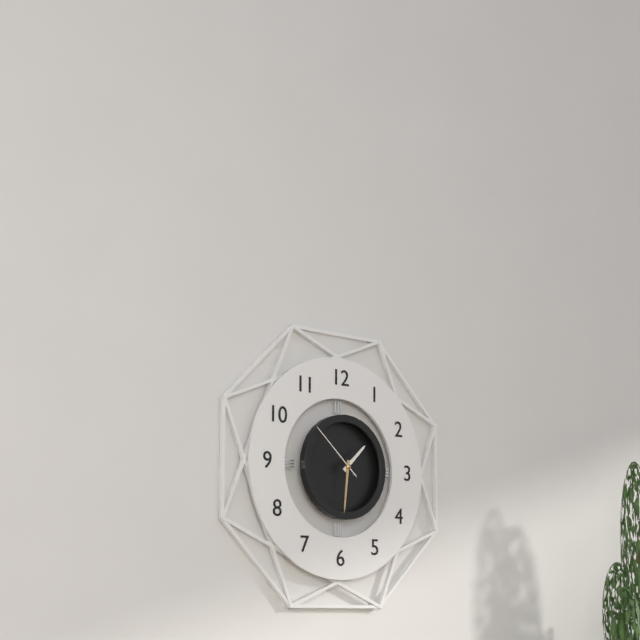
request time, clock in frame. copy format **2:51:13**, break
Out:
**1:31:52**
